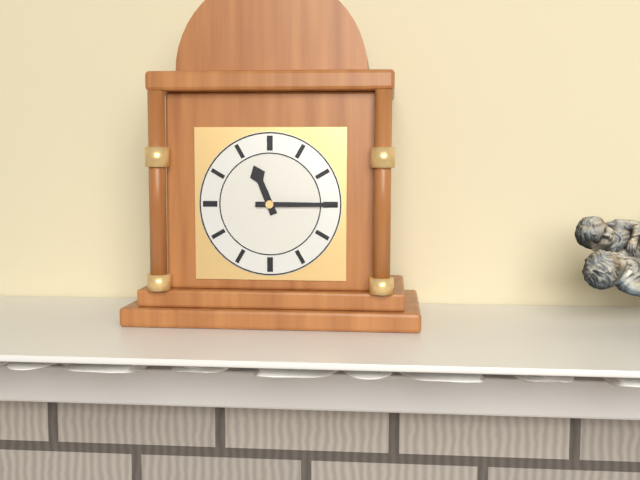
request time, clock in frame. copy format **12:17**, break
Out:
**11:15**
